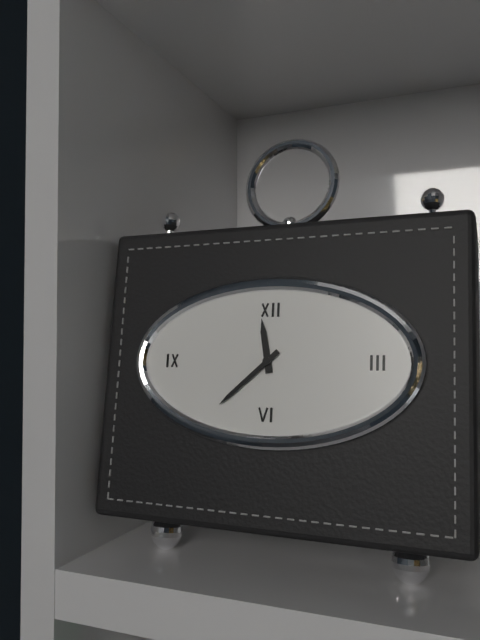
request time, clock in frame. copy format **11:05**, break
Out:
**11:38**
